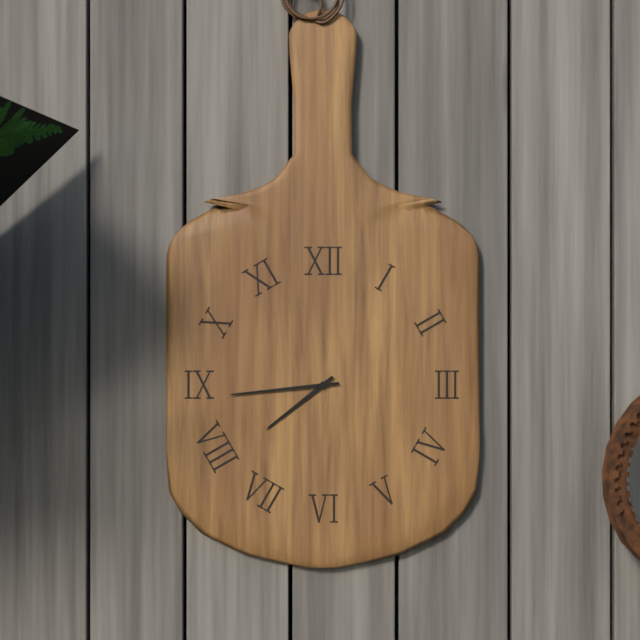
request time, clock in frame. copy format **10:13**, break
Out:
**7:44**
